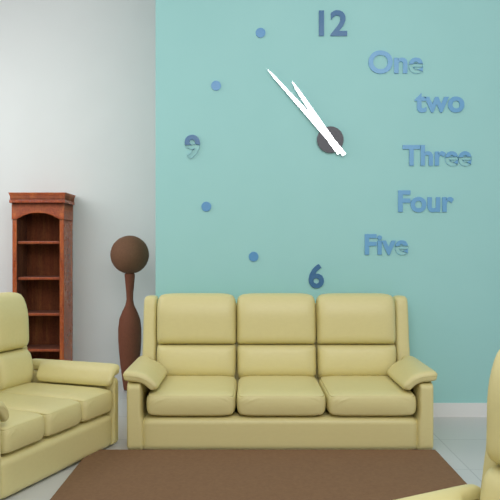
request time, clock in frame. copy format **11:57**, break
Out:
**10:53**
